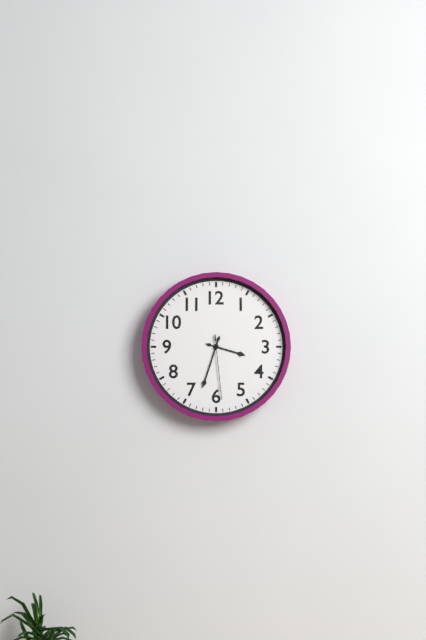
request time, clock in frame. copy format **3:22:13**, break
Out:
**3:33:29**
